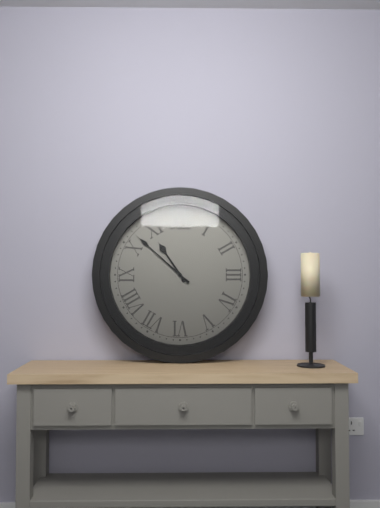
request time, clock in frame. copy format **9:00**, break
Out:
**10:52**
